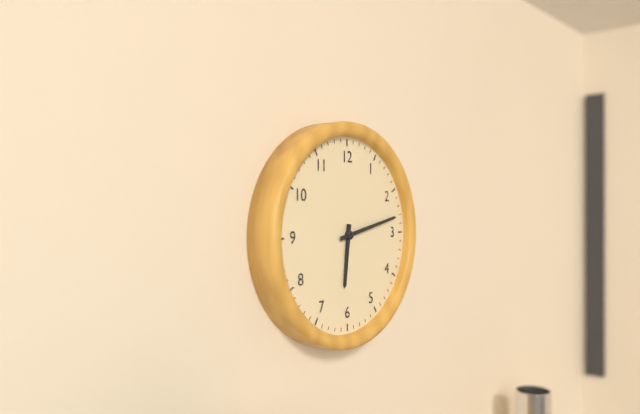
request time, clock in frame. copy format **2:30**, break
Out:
**6:13**
